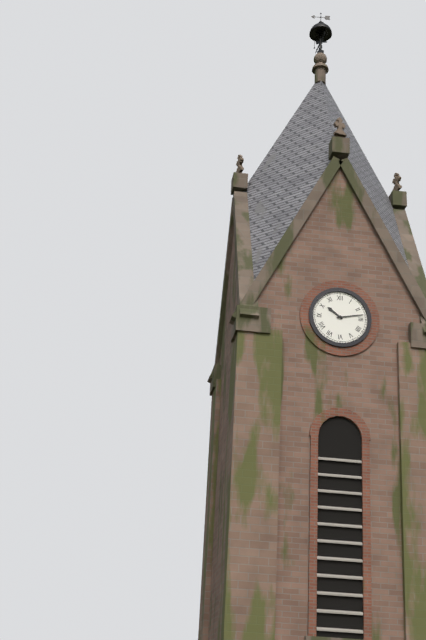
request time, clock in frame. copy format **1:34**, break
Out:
**10:13**
